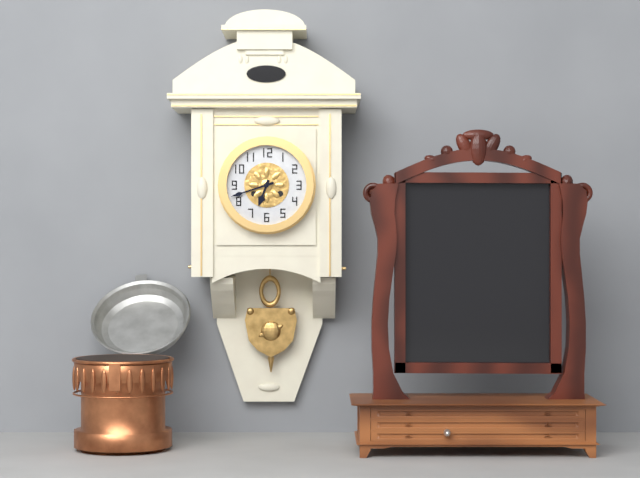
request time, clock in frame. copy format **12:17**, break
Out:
**6:42**
